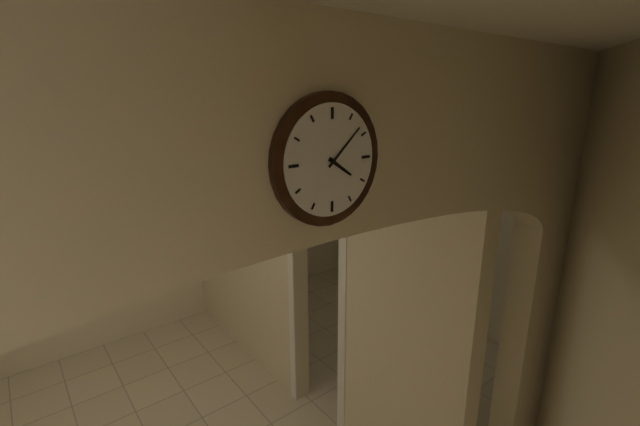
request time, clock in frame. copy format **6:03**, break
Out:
**4:08**
